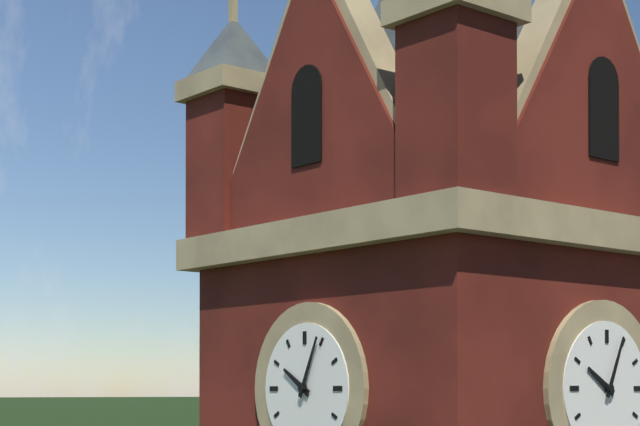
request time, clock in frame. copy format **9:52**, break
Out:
**10:04**
